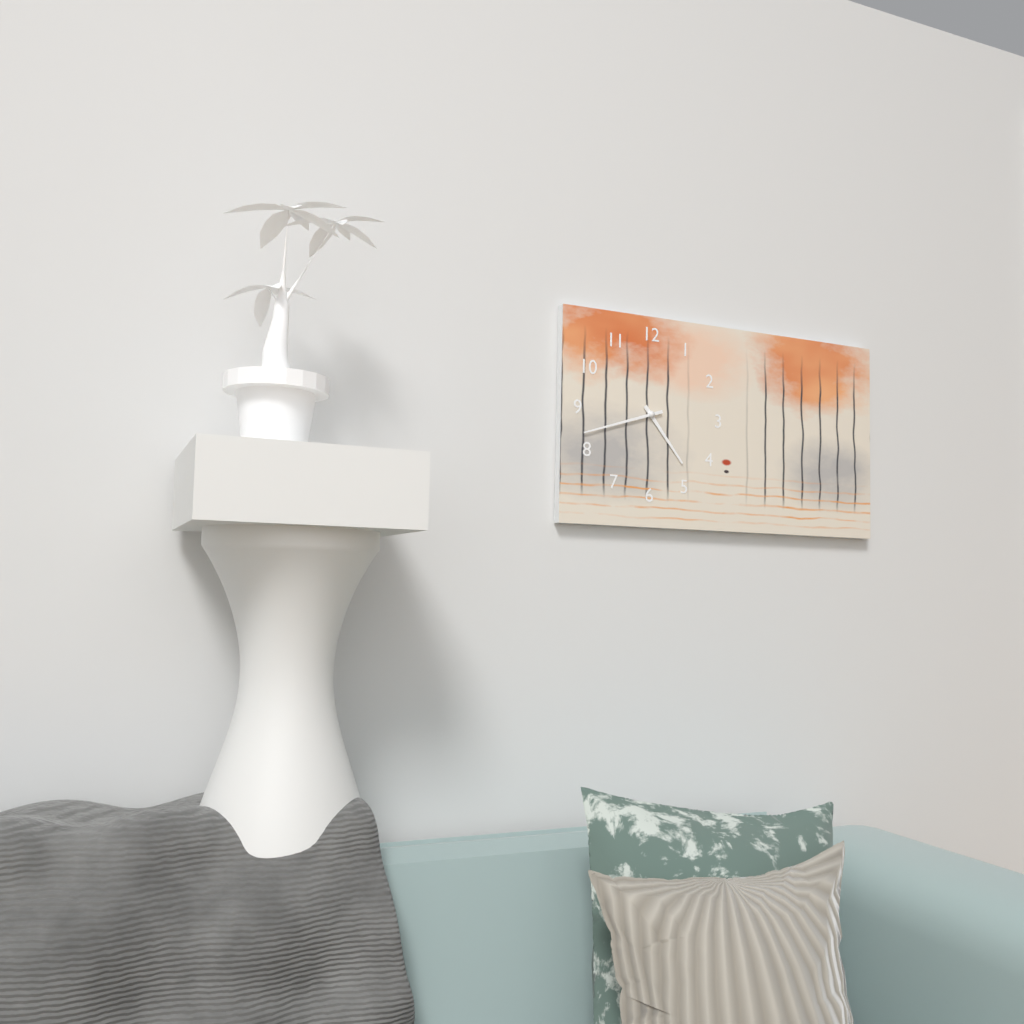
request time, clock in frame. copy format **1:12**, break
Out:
**4:42**
